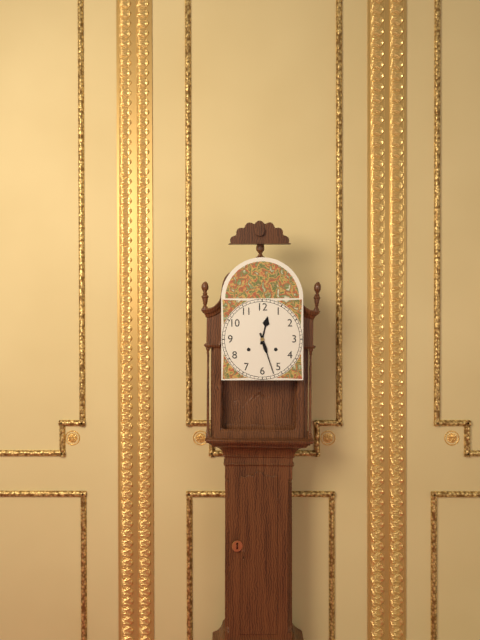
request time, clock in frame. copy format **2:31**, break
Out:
**12:27**
